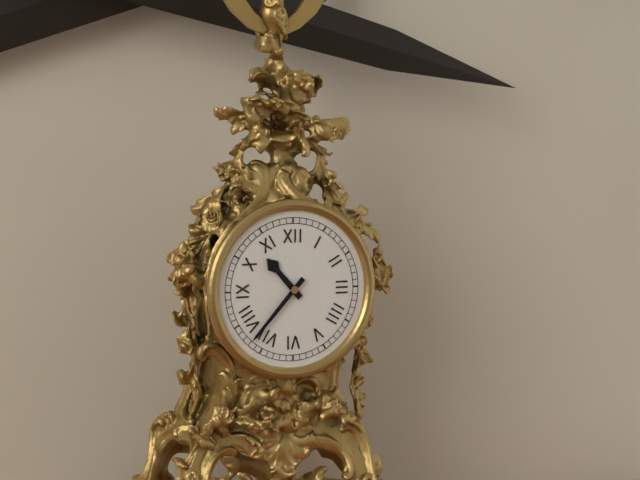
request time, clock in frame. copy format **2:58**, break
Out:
**10:37**
